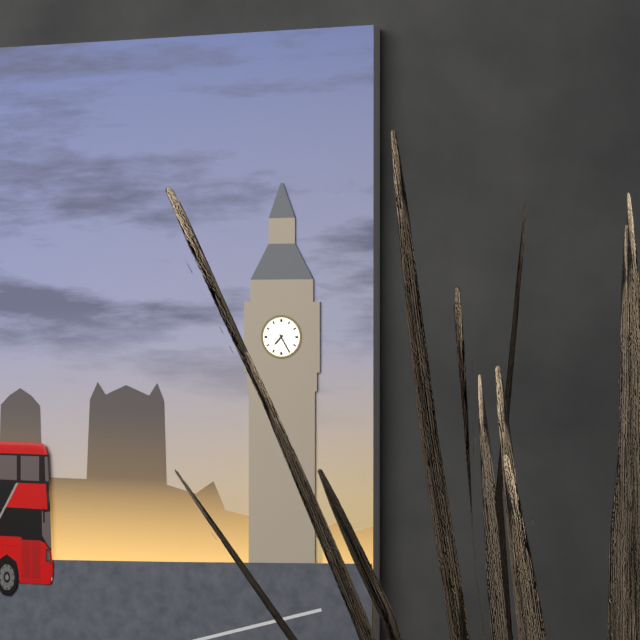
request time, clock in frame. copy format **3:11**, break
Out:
**7:25**
